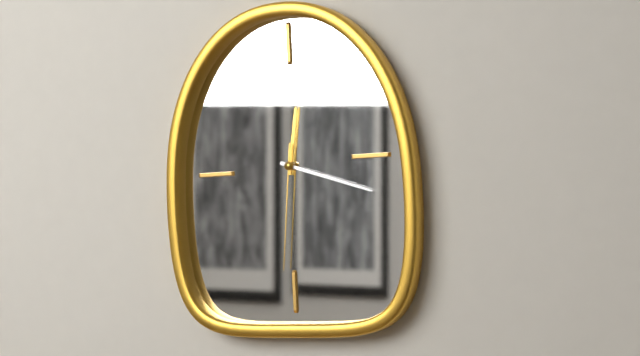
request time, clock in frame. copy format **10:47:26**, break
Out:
**12:18:31**
